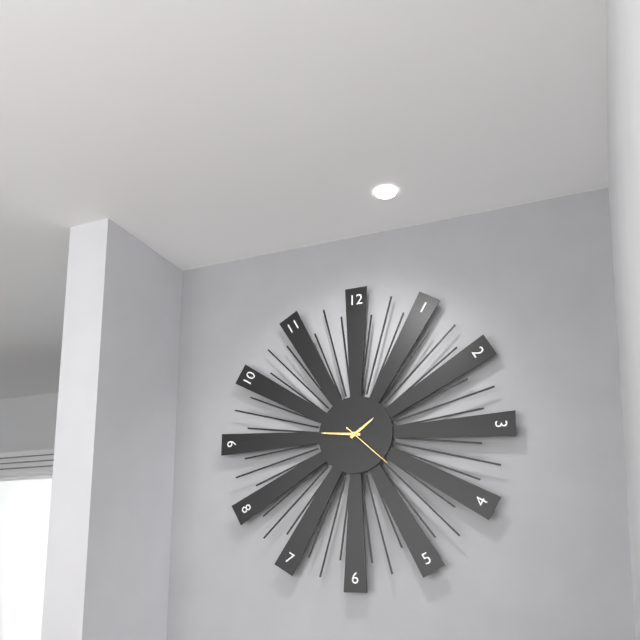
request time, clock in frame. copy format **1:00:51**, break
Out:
**1:46:22**
